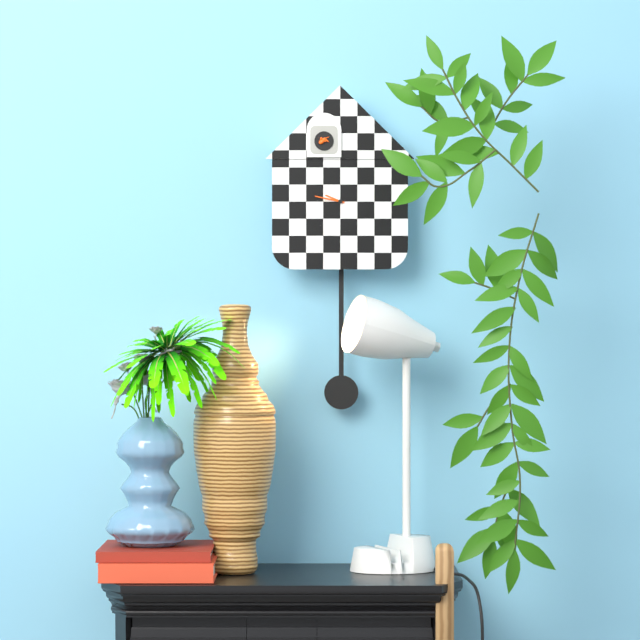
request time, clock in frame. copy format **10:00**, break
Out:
**9:47**
